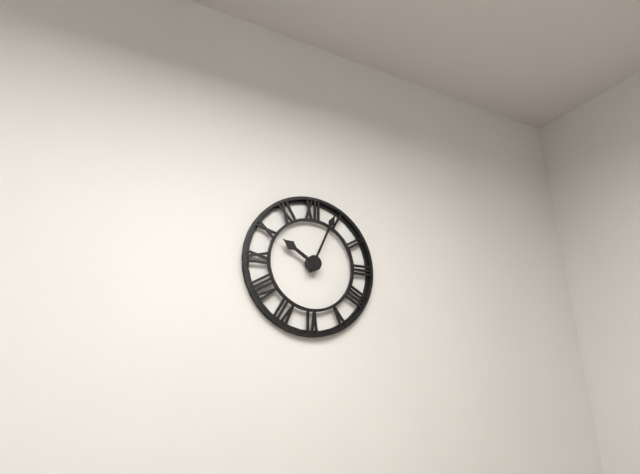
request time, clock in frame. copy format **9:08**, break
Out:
**10:04**
